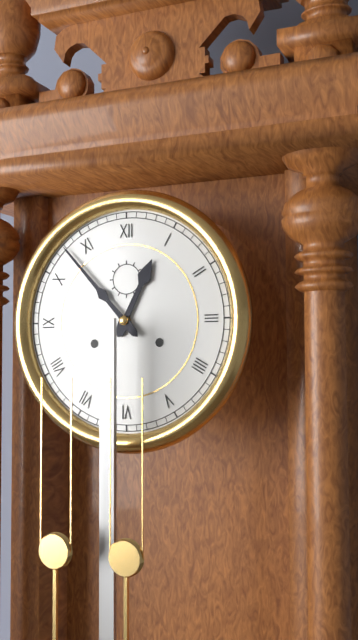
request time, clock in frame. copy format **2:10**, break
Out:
**12:53**
